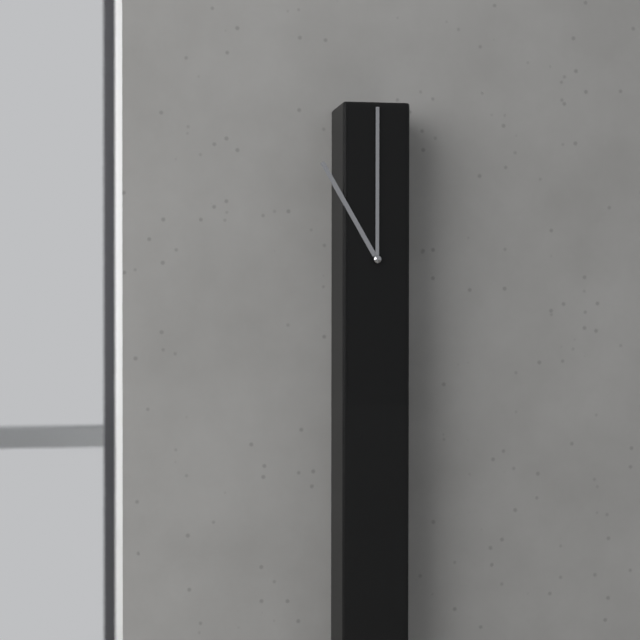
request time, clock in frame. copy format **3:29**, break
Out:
**11:00**
